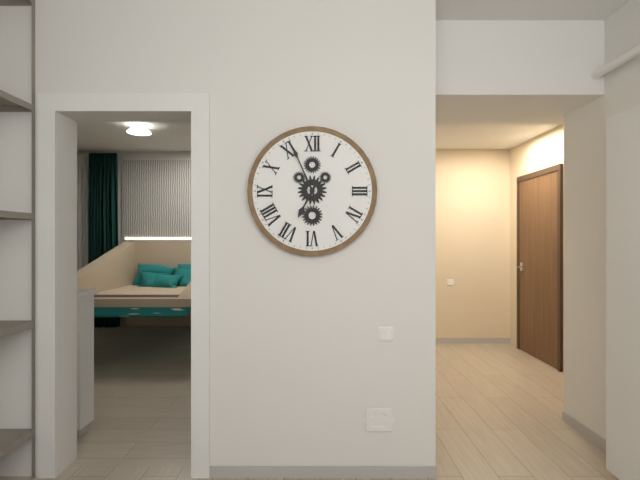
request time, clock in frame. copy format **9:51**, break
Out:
**6:56**
